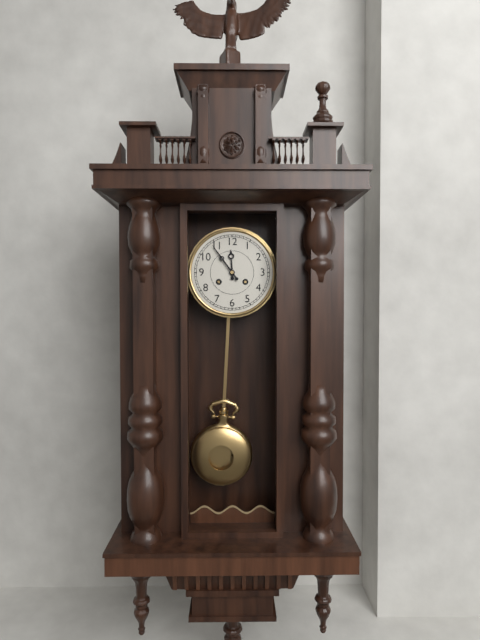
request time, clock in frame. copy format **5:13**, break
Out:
**11:54**
